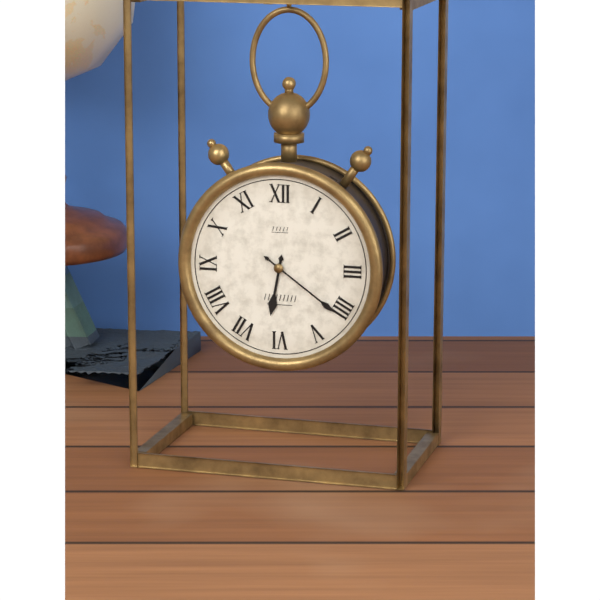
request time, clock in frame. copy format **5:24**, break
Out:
**6:21**
